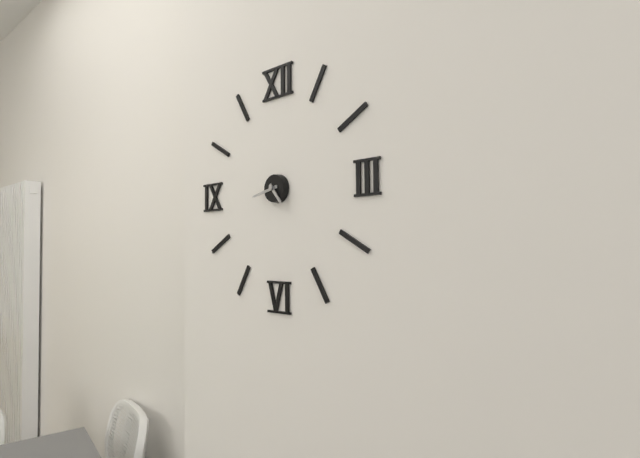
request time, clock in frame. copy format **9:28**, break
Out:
**4:43**
